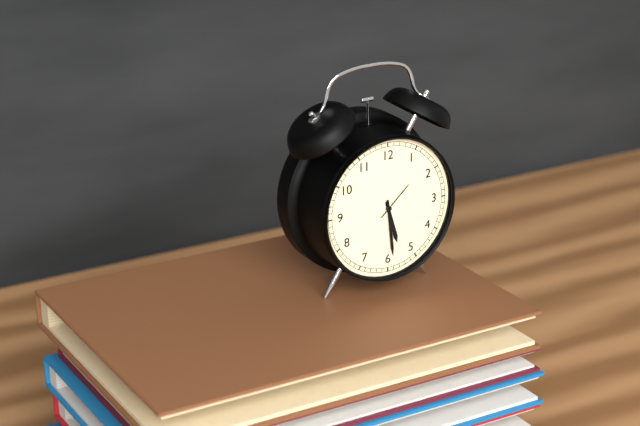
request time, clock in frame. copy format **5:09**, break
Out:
**5:29**
